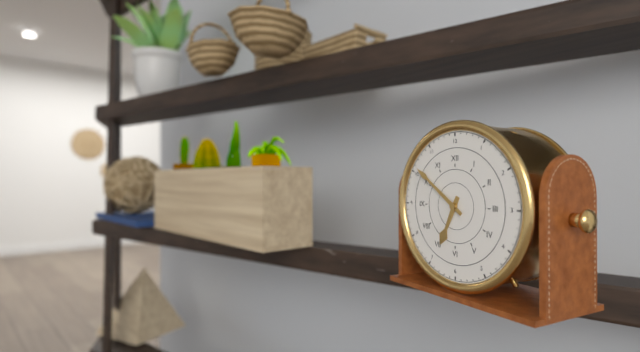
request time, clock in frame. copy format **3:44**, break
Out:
**6:51**
